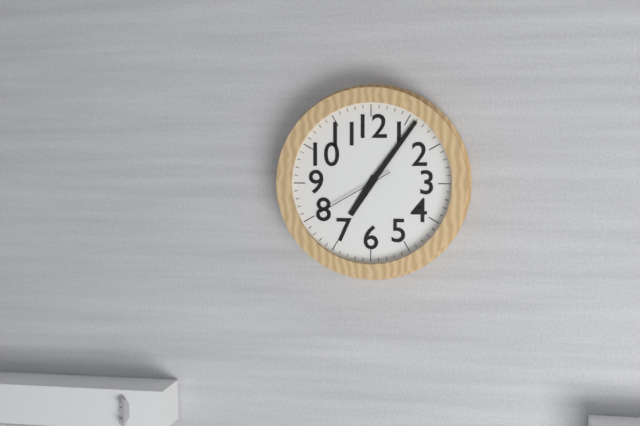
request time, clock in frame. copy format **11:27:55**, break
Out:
**7:06:40**
